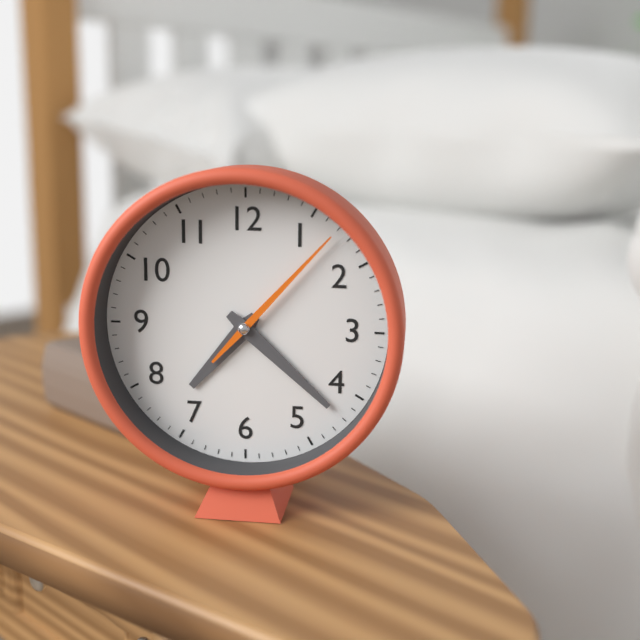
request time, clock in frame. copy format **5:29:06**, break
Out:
**7:22:07**
